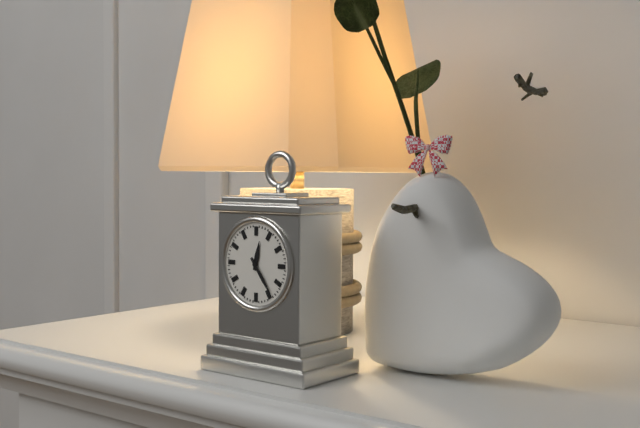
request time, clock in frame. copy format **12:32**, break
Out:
**12:24**
